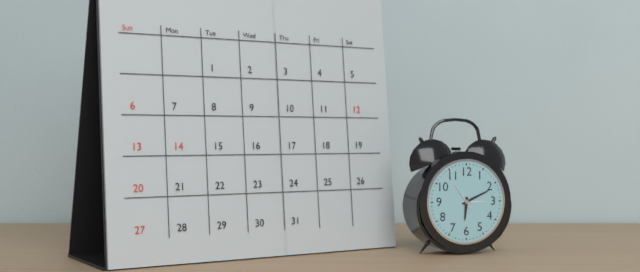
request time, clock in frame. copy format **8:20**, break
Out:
**6:11**
